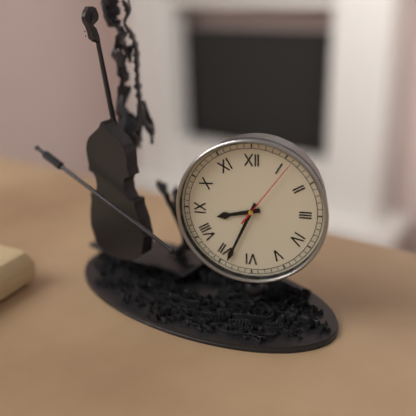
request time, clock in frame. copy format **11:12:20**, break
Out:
**8:34:06**
